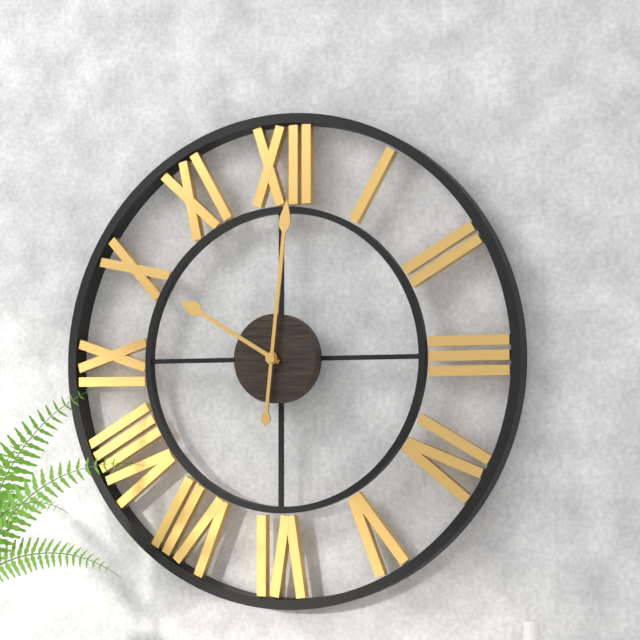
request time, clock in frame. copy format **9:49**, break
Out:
**10:01**
